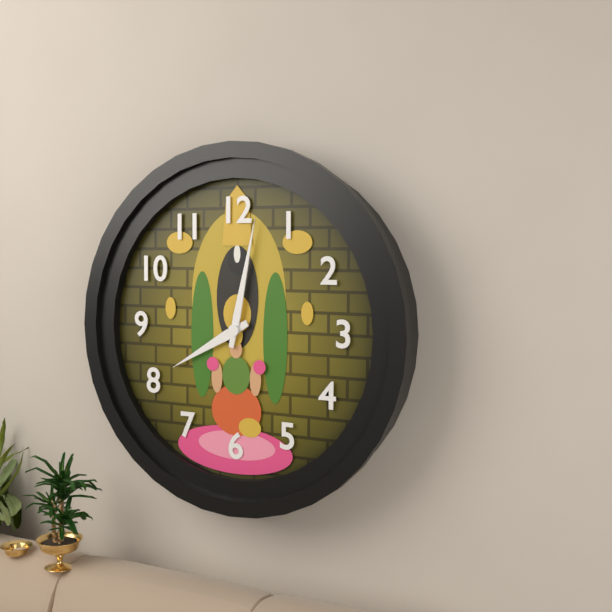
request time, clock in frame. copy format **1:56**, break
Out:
**8:02**
